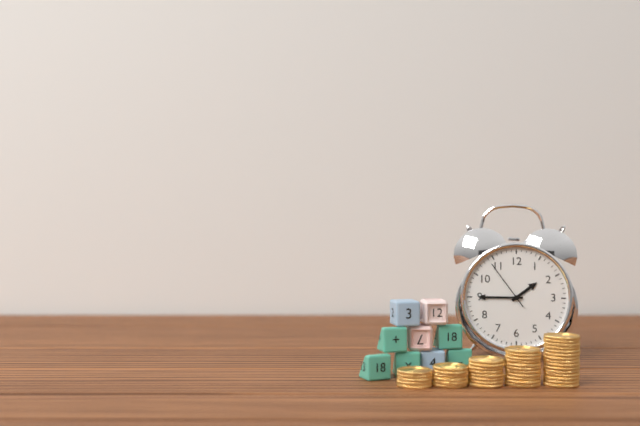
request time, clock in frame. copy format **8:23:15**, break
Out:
**1:45:54**
